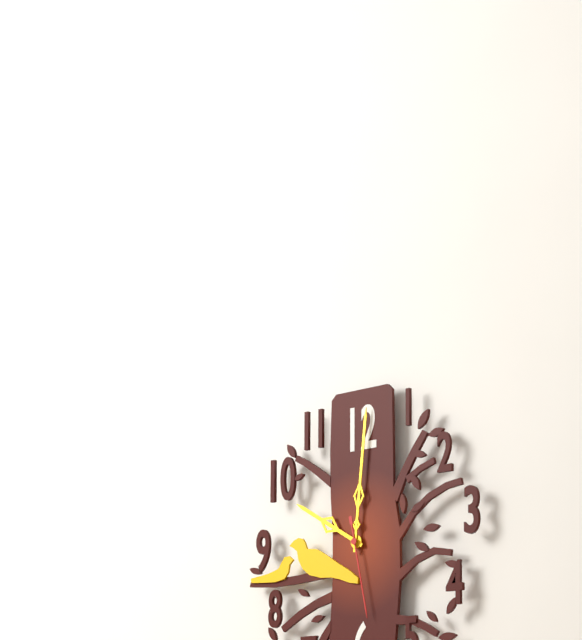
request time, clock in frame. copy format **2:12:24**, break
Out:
**10:01:28**
